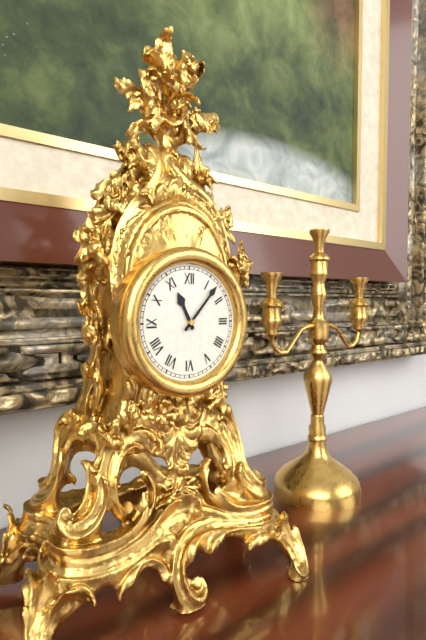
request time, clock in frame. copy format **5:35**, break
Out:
**11:07**
